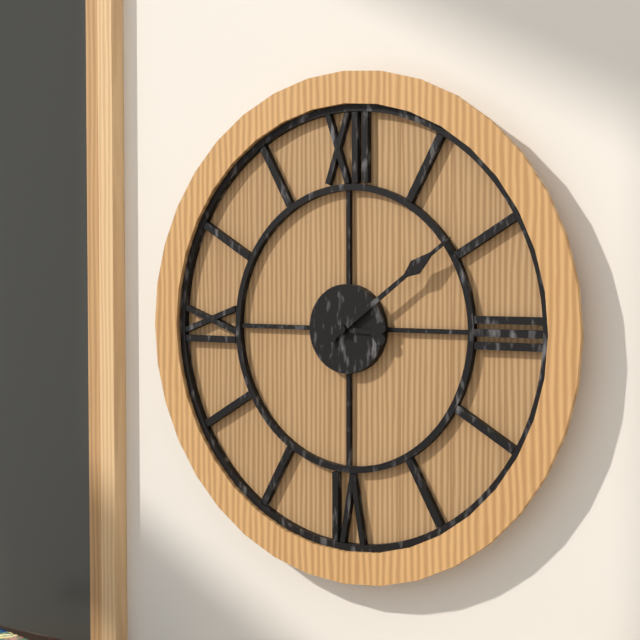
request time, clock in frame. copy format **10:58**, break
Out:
**3:09**
